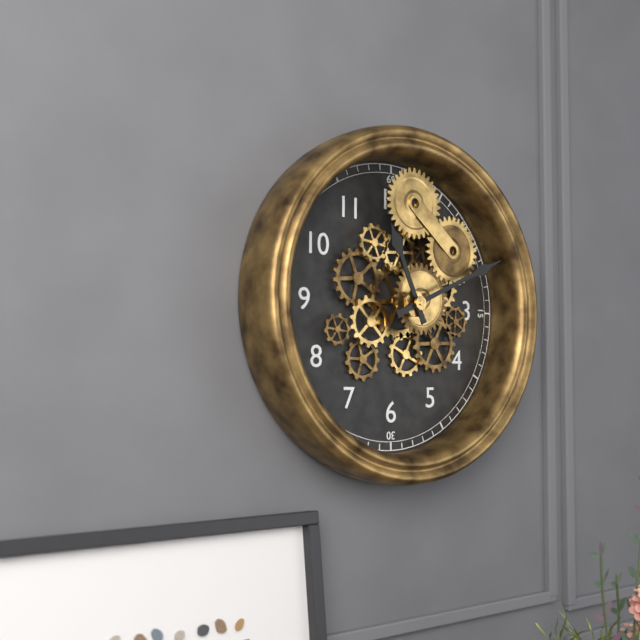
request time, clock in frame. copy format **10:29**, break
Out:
**11:11**
